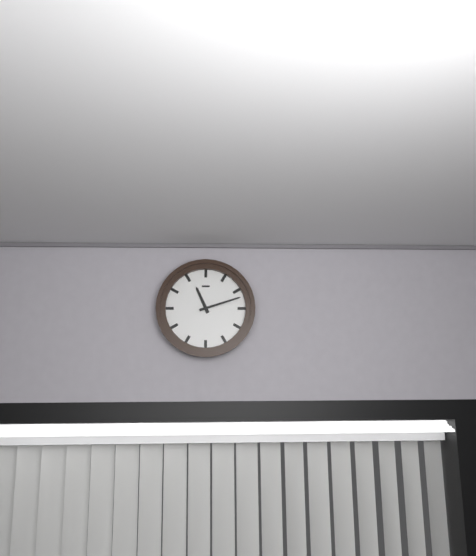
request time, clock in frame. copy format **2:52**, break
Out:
**11:12**
